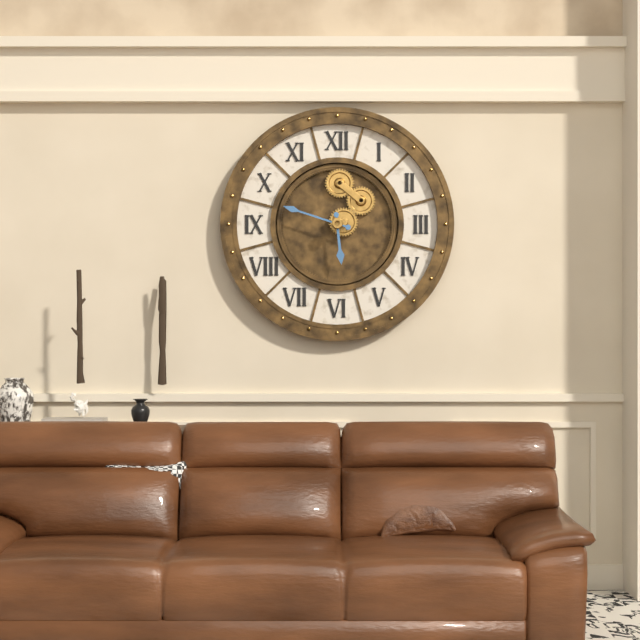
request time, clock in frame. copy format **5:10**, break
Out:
**5:48**
